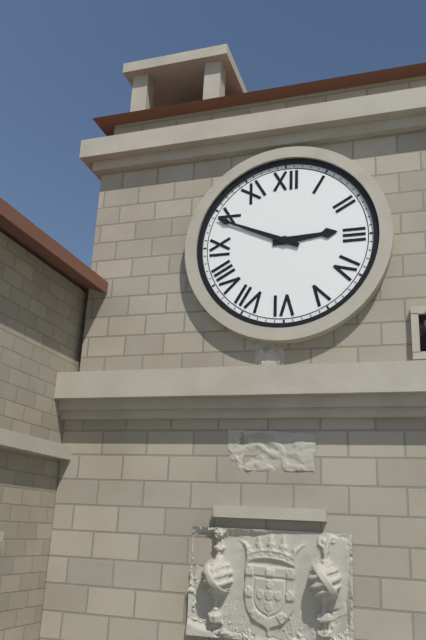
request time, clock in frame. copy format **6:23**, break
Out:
**2:49**
